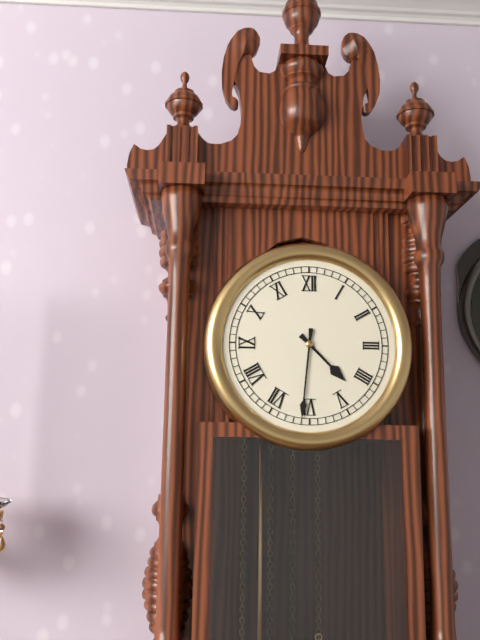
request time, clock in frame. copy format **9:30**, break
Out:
**4:31**
